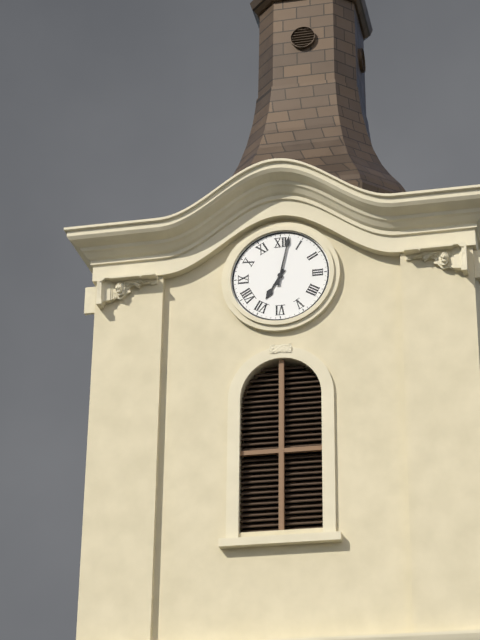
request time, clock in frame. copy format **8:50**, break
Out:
**7:02**
